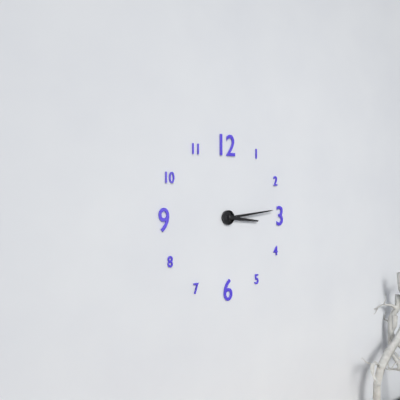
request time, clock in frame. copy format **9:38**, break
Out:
**3:14**
